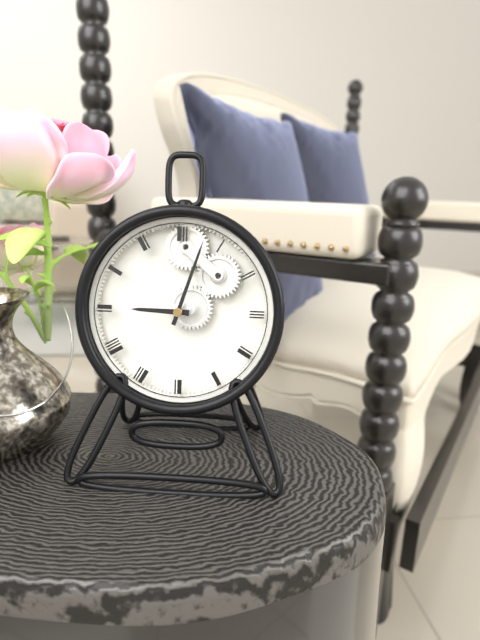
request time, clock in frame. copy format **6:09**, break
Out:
**9:03**
